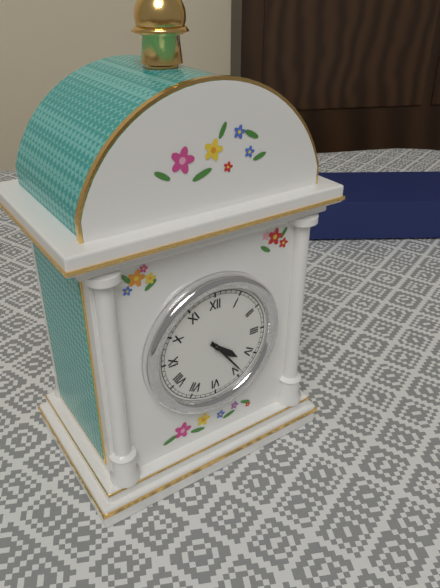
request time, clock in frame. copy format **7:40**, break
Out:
**4:24**
